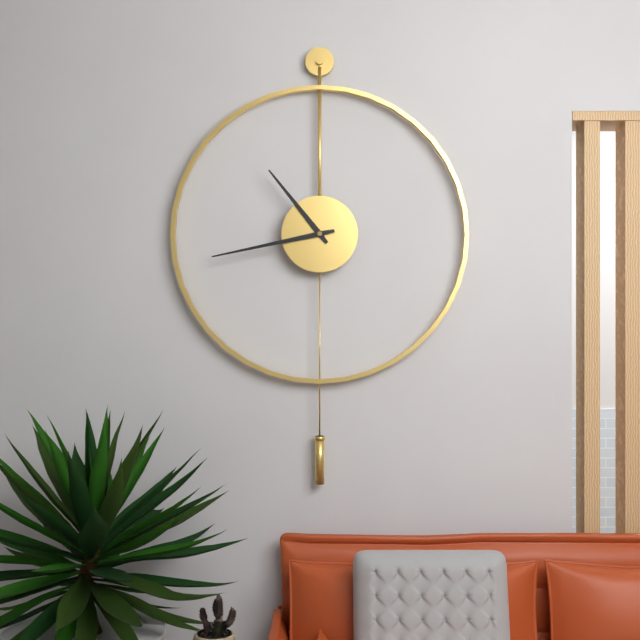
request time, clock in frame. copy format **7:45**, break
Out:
**10:43**
